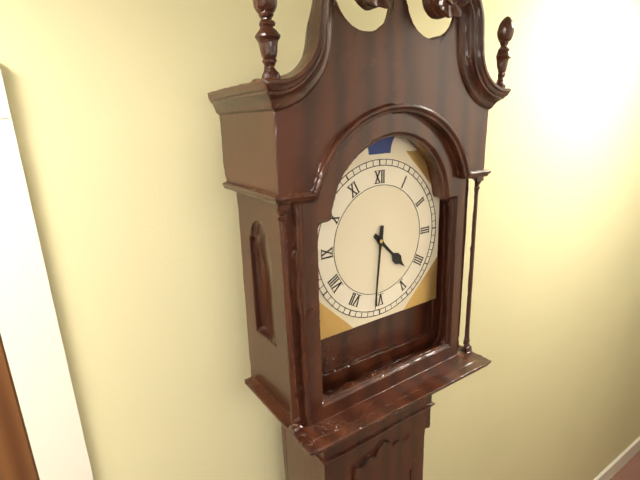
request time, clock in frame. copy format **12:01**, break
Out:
**4:31**
